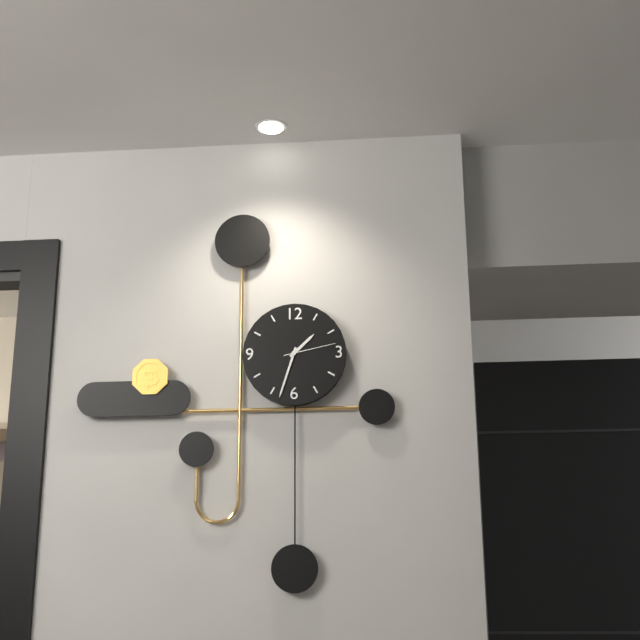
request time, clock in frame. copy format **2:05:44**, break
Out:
**1:33:13**
